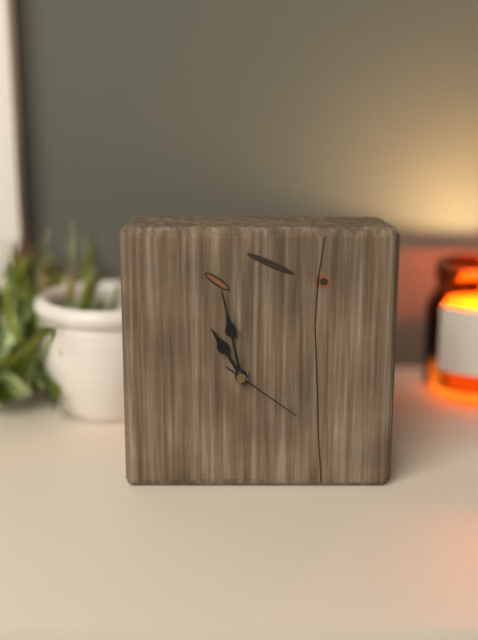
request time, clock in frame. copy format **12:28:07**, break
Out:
**10:58:21**
